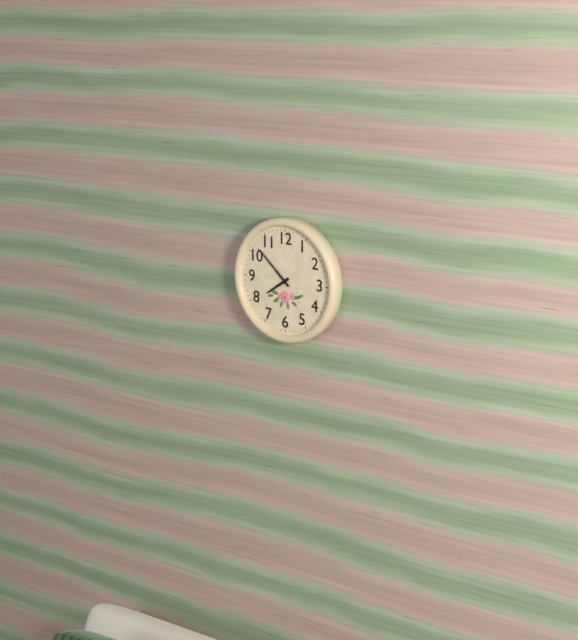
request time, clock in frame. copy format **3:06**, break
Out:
**7:52**
